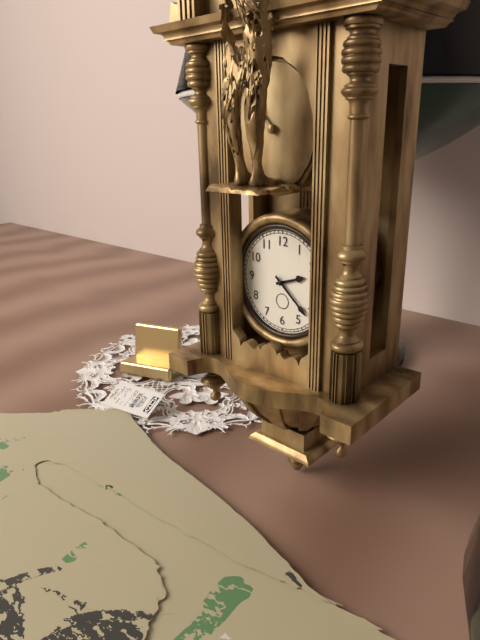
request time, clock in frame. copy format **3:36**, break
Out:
**2:22**
